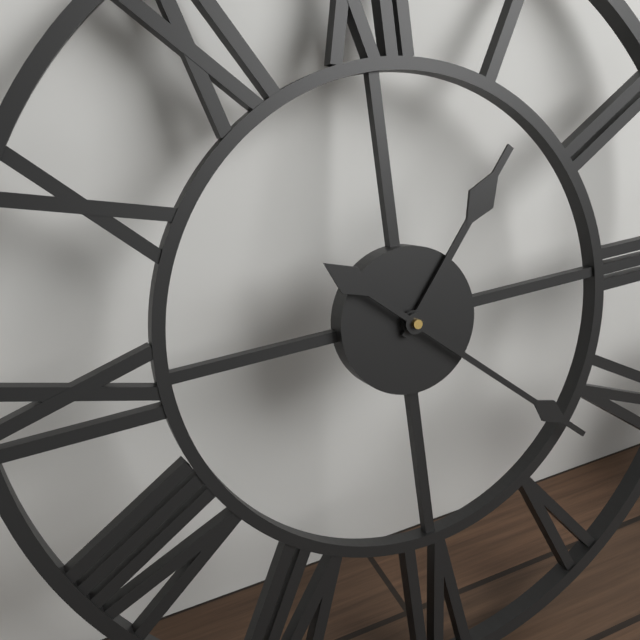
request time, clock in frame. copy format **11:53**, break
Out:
**1:22**
